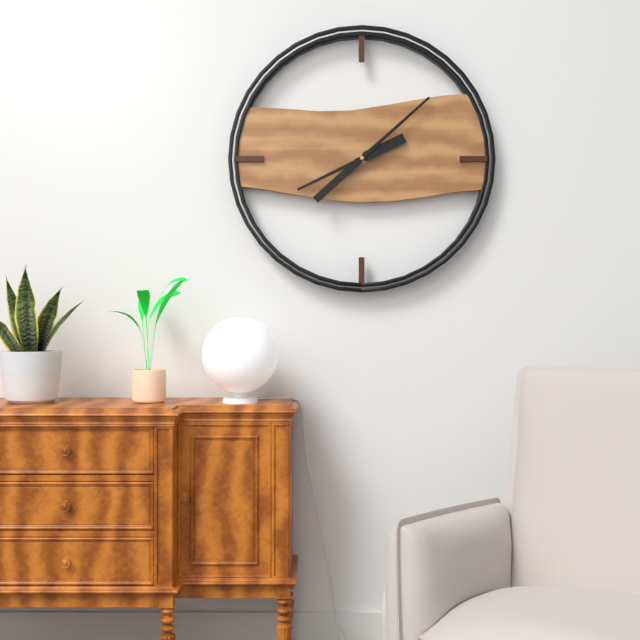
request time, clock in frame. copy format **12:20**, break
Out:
**8:08**
